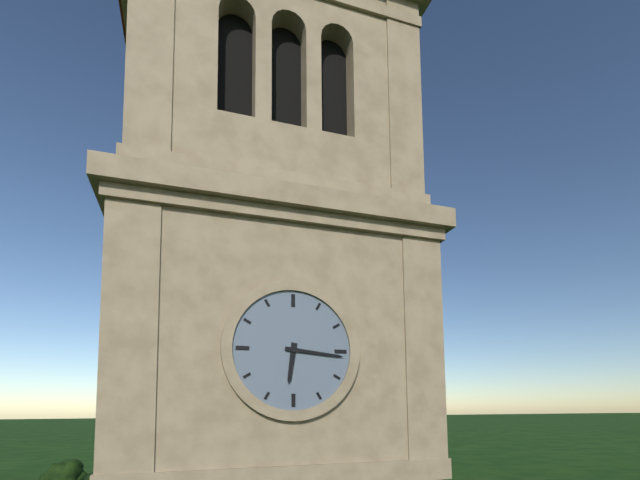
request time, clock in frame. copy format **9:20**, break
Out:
**6:16**
